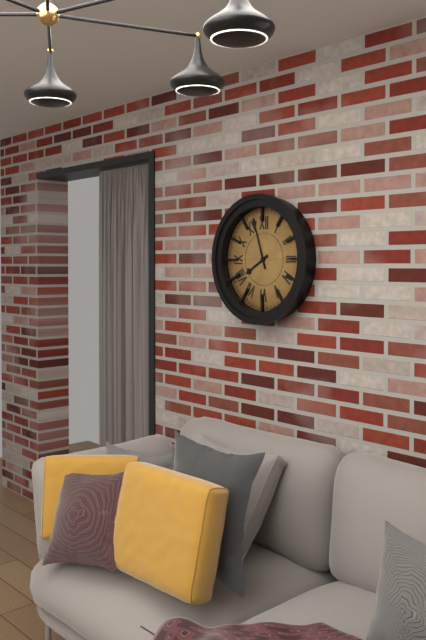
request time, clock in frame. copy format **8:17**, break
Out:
**7:57**
